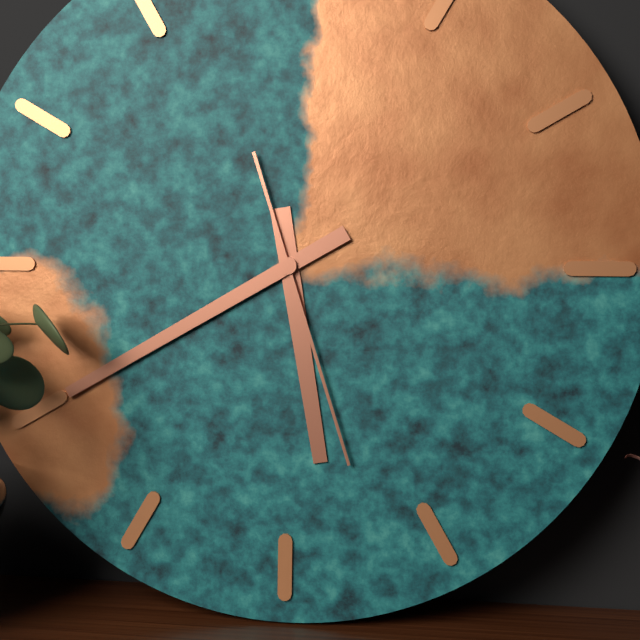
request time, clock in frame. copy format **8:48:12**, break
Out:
**5:40:27**
